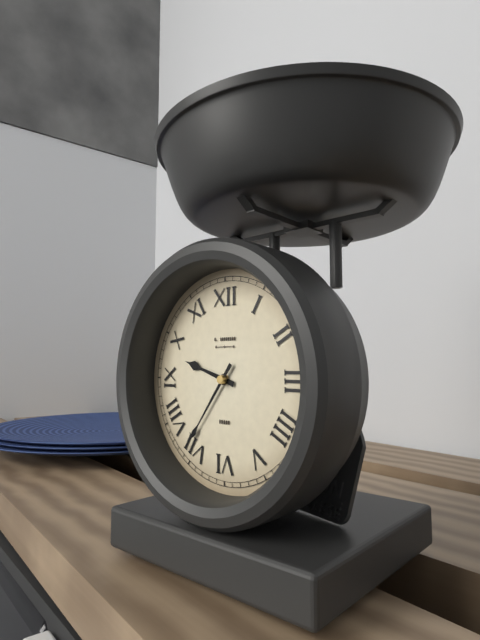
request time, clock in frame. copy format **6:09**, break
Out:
**9:36**
